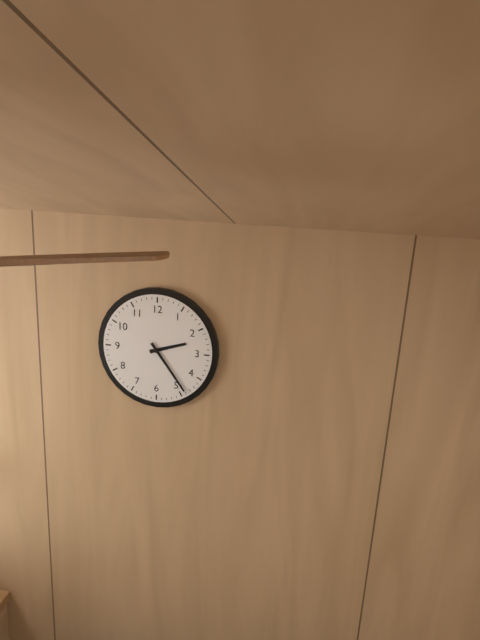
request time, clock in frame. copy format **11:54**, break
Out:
**2:24**
